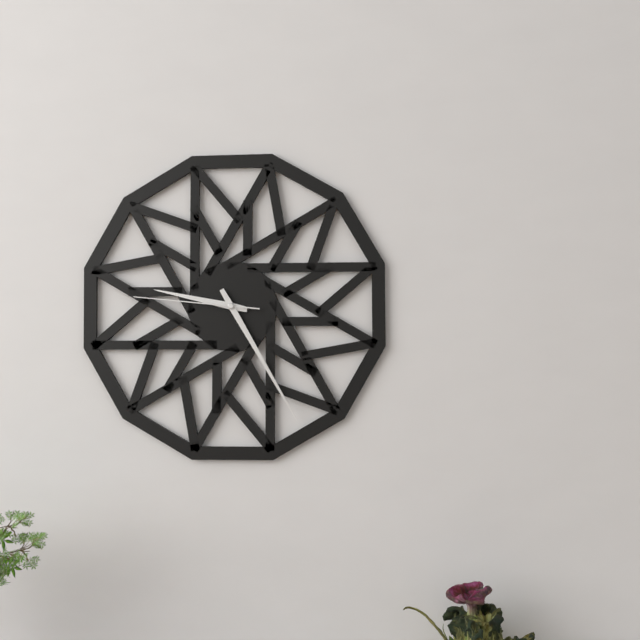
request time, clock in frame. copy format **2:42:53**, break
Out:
**9:25:46**
